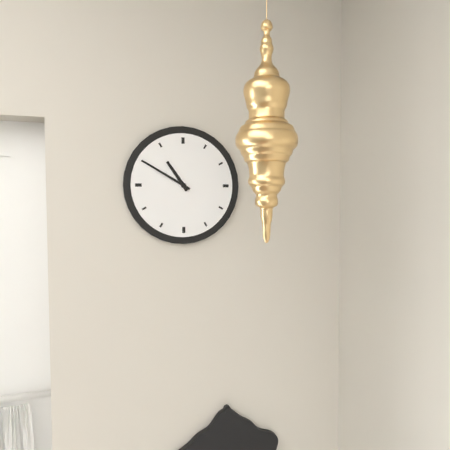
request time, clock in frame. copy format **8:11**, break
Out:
**10:50**
